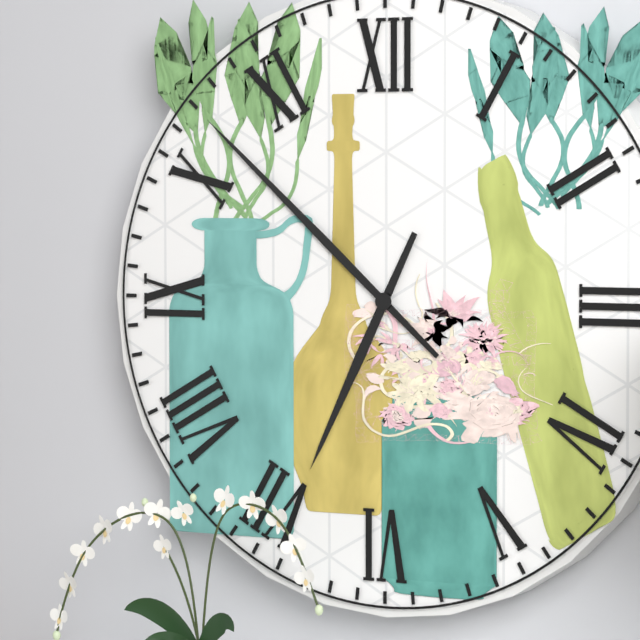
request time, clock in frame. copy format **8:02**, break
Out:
**6:52**
